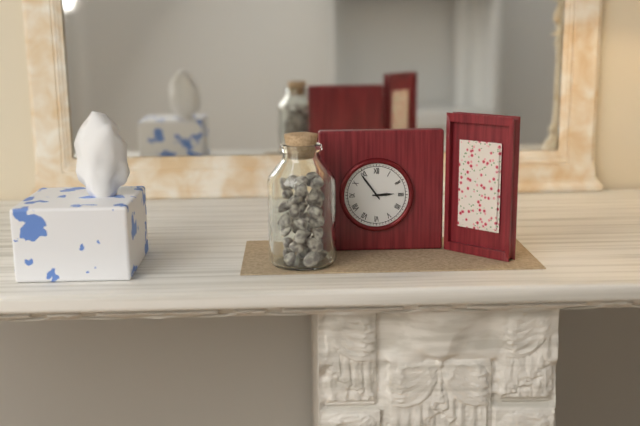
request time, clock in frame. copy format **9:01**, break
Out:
**2:54**
